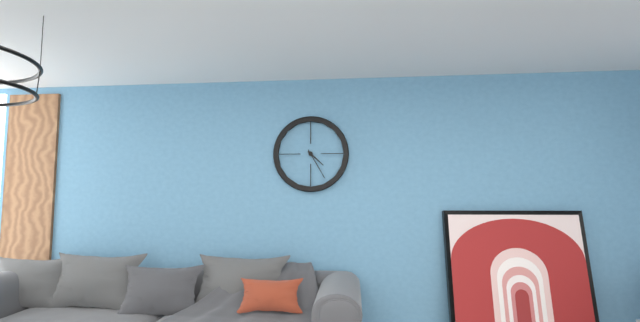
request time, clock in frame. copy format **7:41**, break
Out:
**4:25**
